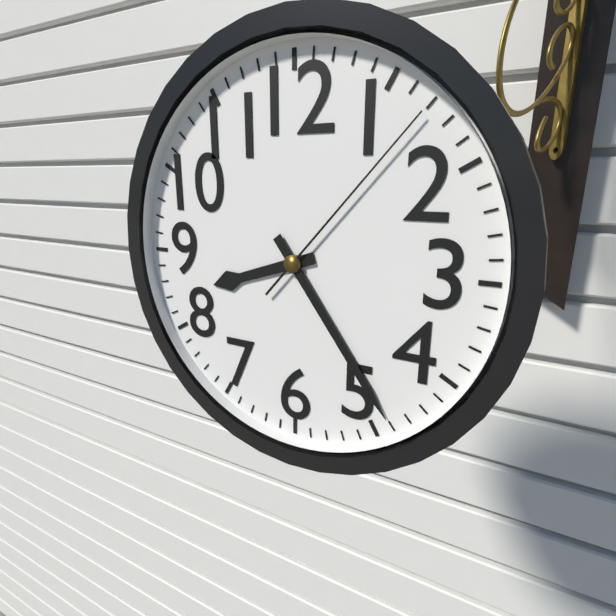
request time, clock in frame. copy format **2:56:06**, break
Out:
**8:24:07**
